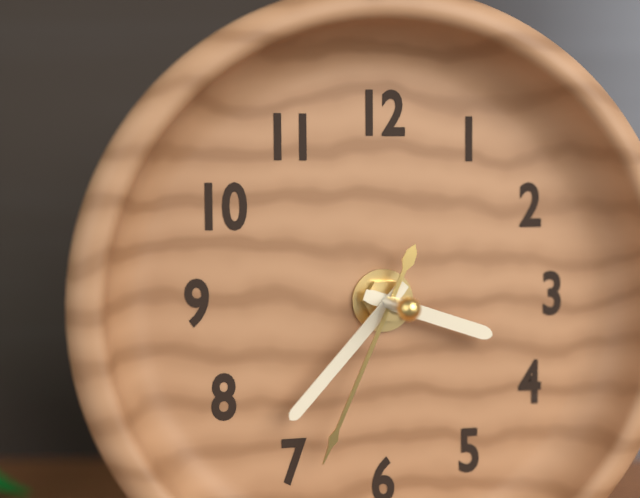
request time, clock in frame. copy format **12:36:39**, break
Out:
**3:37:34**
